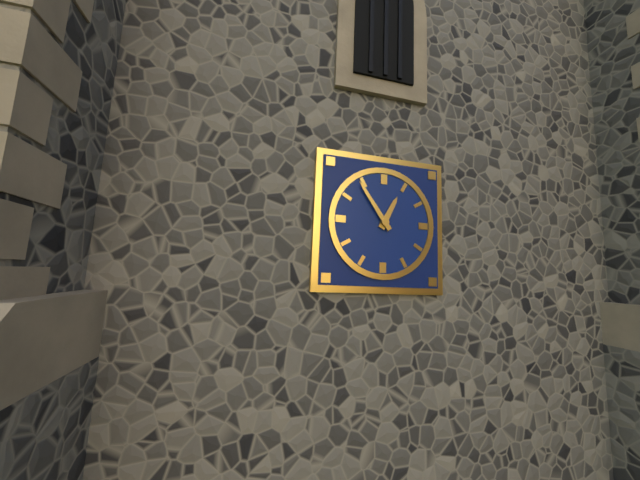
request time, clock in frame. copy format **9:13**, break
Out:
**12:54**
